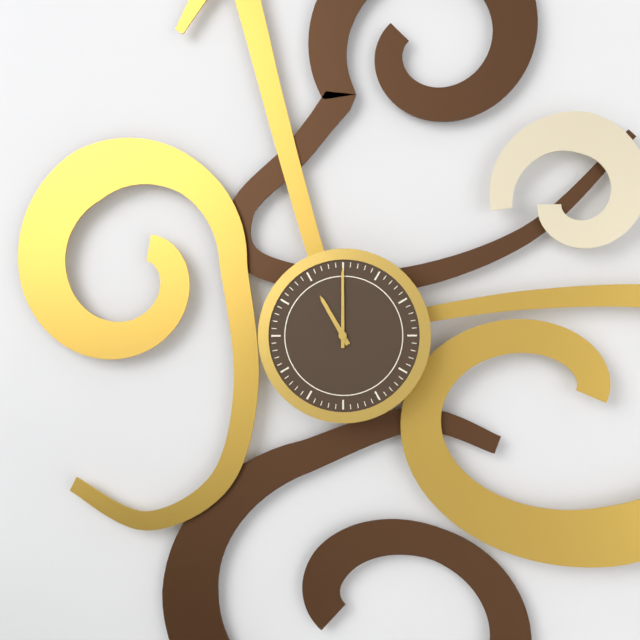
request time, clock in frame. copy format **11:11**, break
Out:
**11:00**
